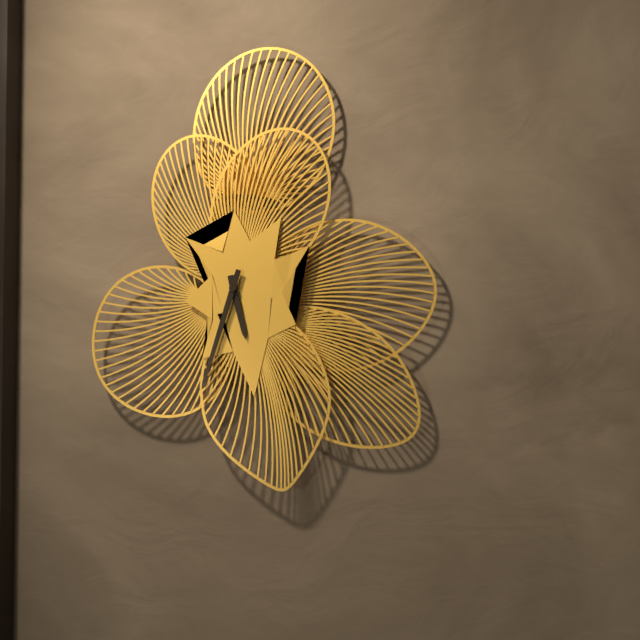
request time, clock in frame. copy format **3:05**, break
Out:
**5:33**
